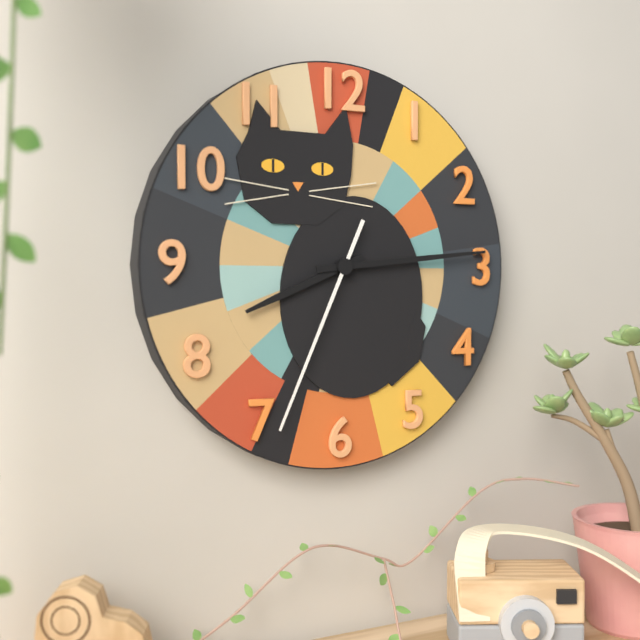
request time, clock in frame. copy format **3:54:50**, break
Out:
**8:14:34**
